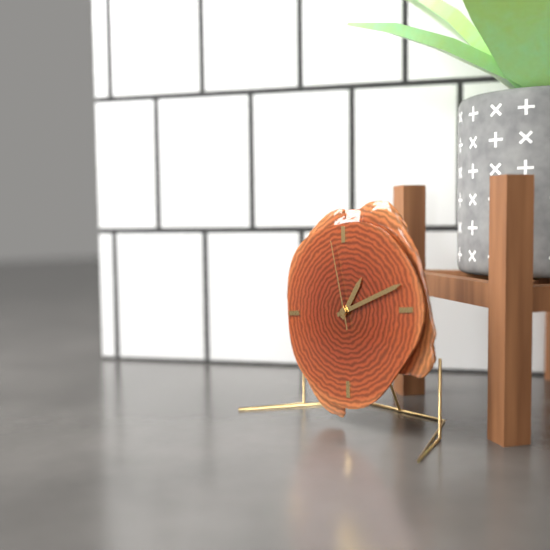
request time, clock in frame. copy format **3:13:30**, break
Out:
**1:12:58**
